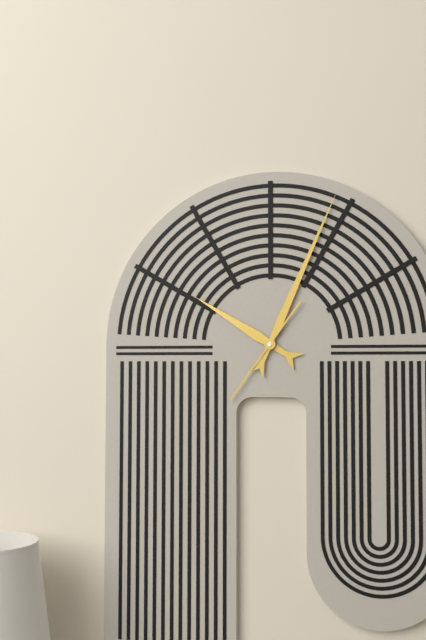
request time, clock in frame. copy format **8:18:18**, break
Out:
**10:04:36**
